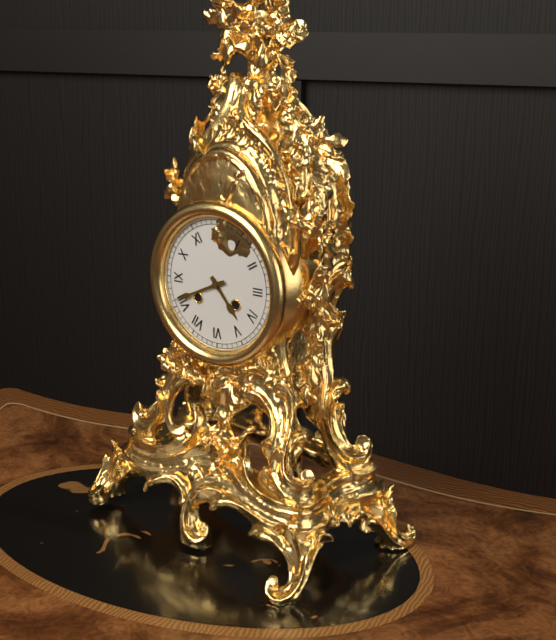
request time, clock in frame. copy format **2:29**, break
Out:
**4:41**
